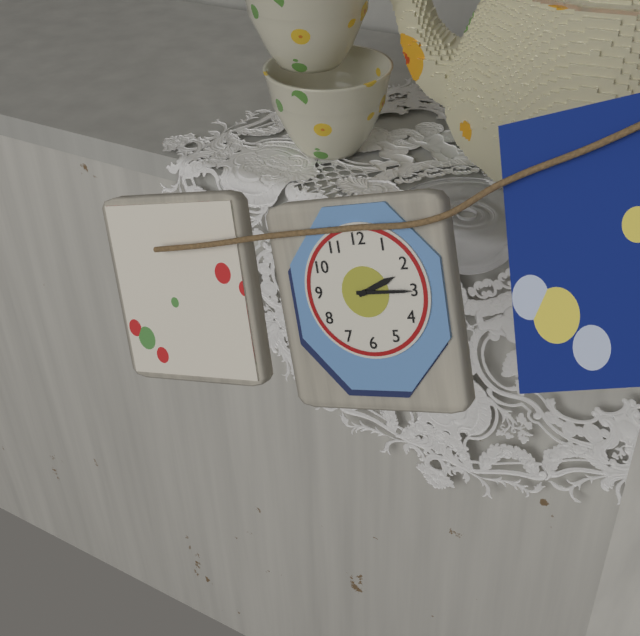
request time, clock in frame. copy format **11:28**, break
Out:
**2:15**
